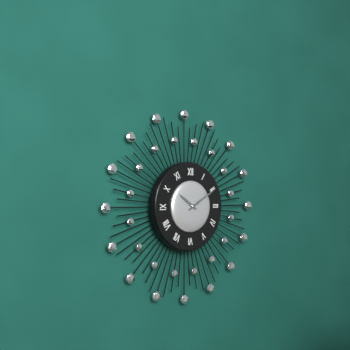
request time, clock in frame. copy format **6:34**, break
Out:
**10:10**
